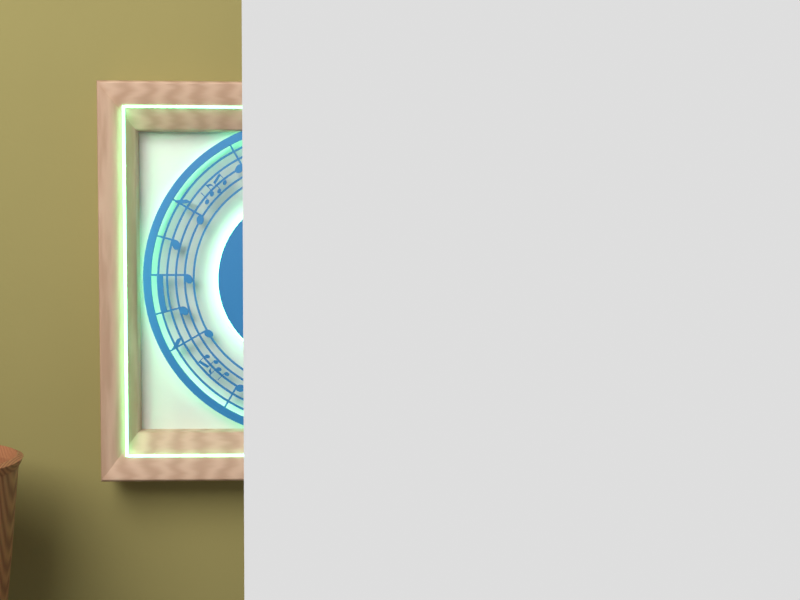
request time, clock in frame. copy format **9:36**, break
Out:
**10:01**
